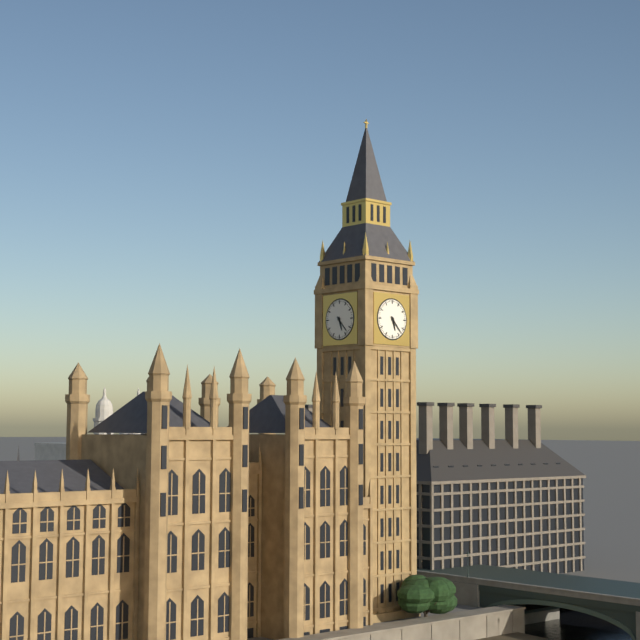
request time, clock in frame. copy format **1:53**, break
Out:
**5:23**
